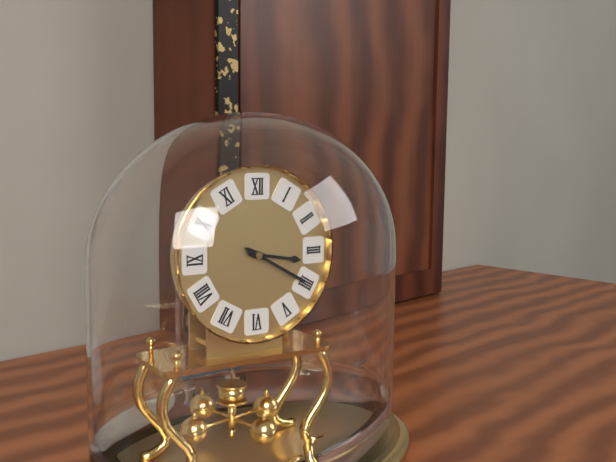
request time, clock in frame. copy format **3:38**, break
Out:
**3:20**
